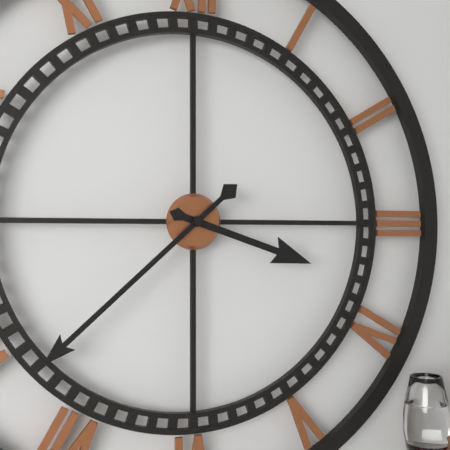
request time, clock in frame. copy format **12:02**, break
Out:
**3:38**
